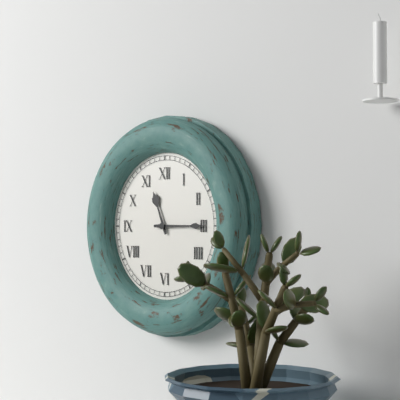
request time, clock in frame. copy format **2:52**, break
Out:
**11:15**
